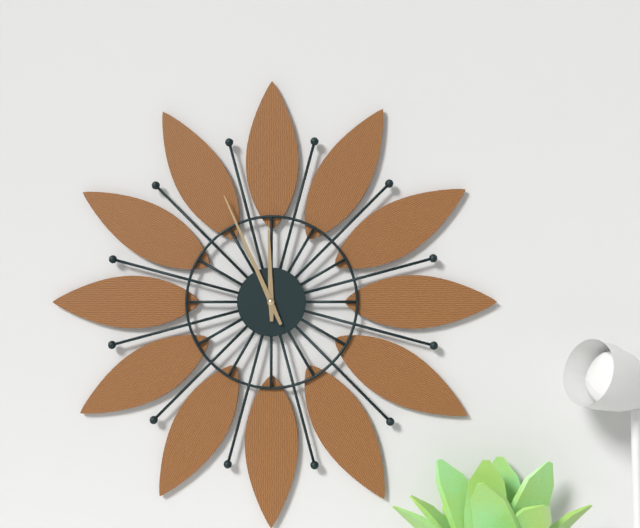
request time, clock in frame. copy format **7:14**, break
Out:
**11:56**
